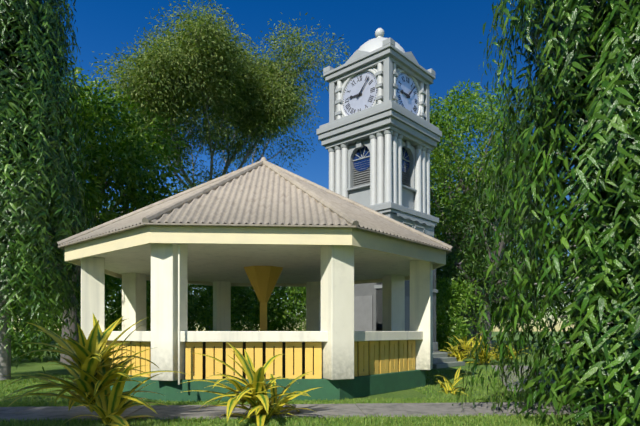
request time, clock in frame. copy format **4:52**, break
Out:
**9:07**
